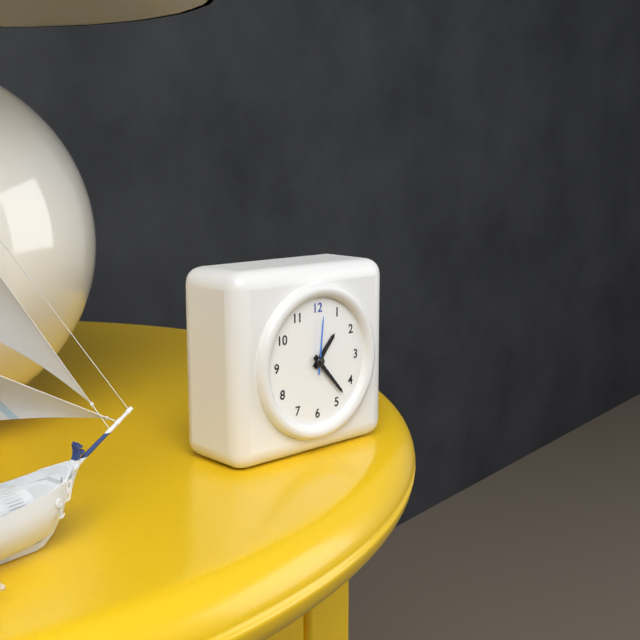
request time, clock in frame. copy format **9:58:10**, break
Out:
**1:23:01**
